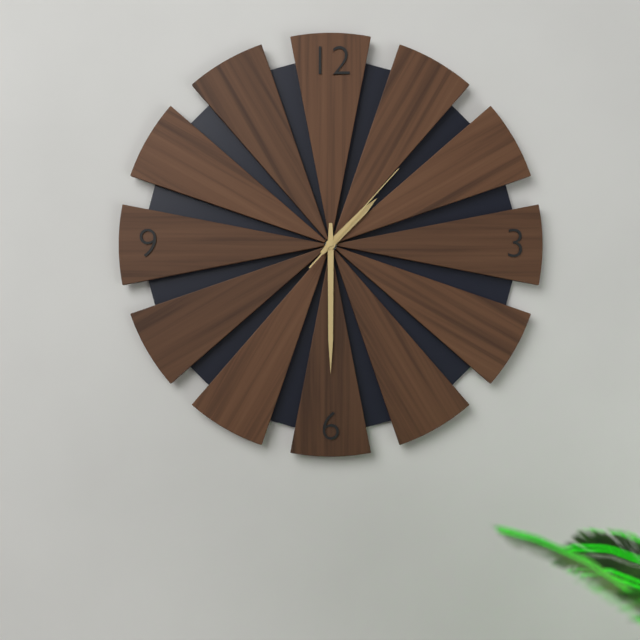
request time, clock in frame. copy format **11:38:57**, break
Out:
**1:30:07**
